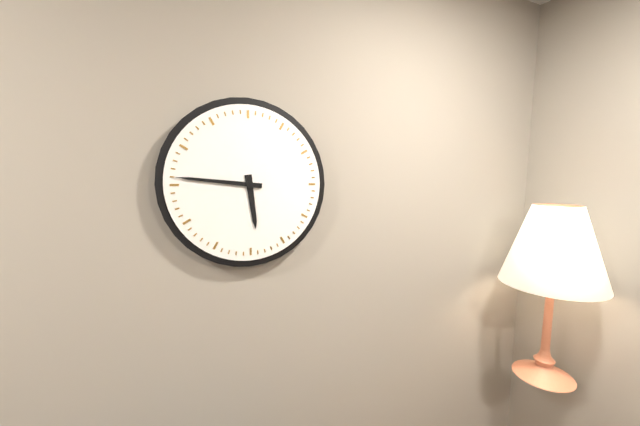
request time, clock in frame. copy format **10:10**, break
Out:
**5:46**
